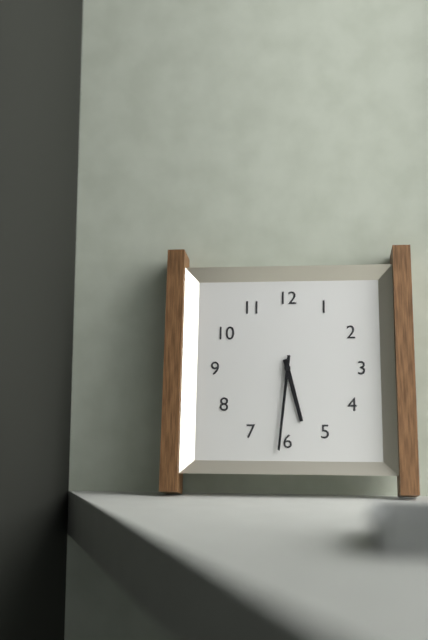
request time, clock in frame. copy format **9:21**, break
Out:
**5:31**
